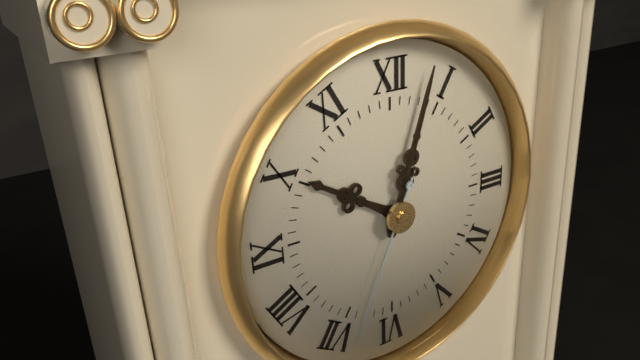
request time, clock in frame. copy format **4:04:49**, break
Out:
**10:03:34**
